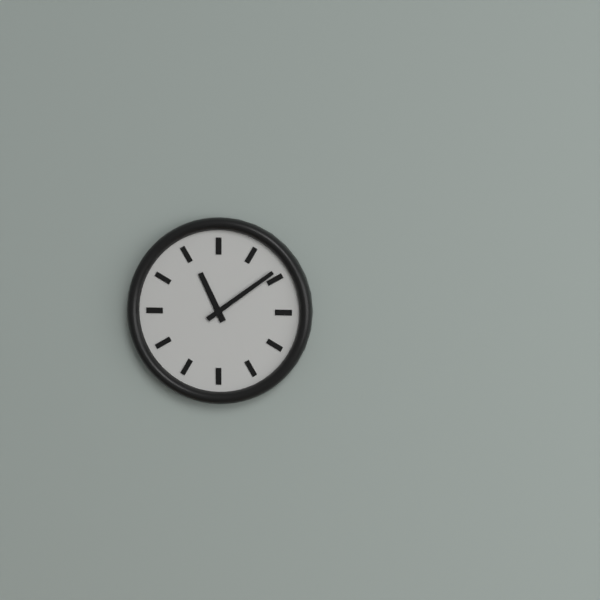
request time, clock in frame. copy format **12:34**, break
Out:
**11:09**
